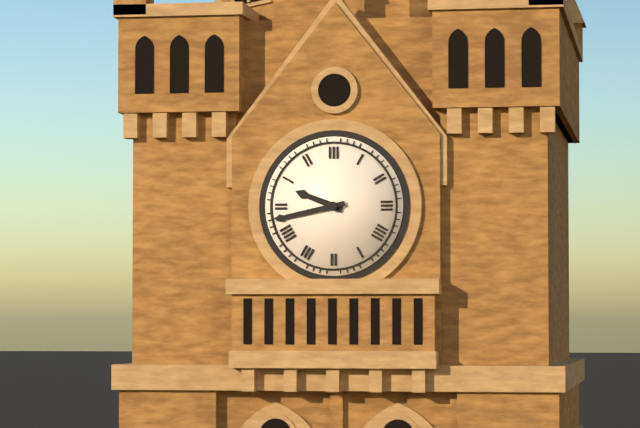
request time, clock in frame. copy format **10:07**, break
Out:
**9:43**
